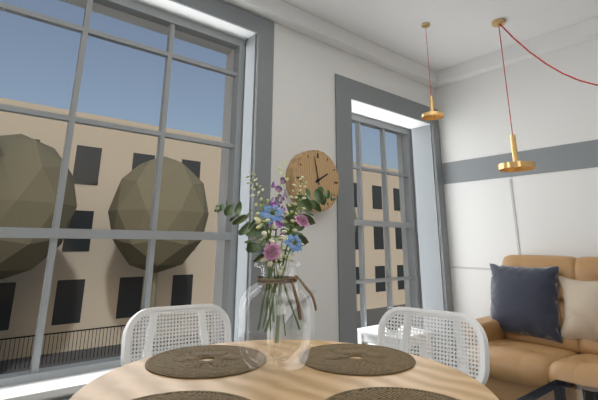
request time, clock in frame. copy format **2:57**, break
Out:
**1:58**
